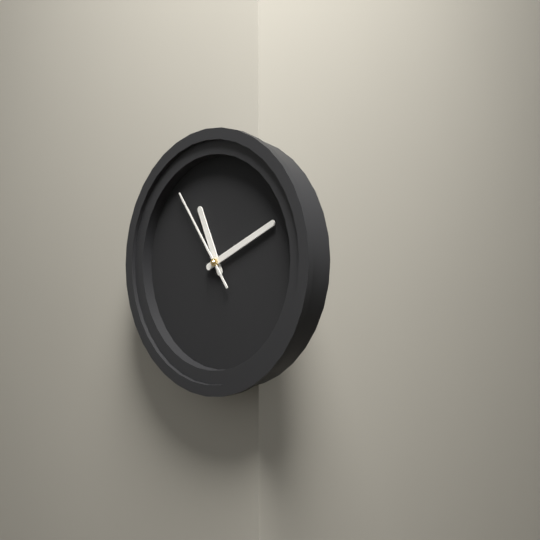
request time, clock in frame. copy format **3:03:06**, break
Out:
**11:11:54**
